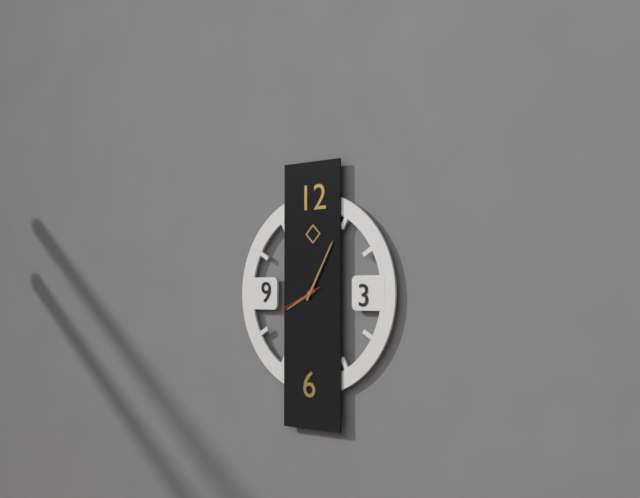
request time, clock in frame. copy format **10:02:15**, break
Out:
**8:05:41**
